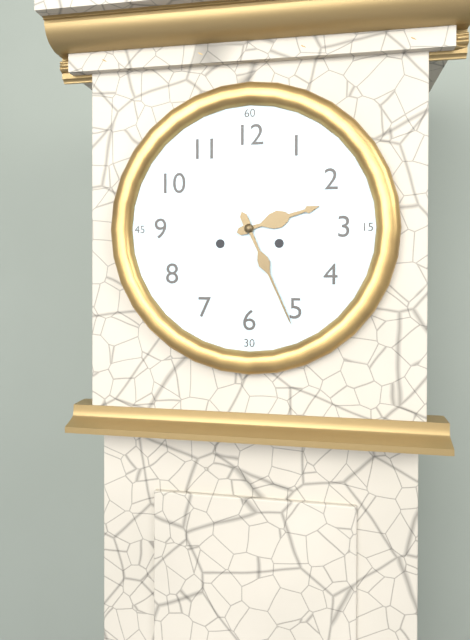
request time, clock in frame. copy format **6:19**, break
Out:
**2:26**
